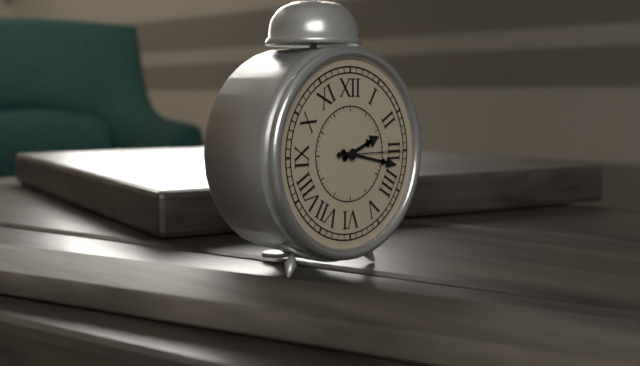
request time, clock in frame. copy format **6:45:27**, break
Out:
**2:17:15**
